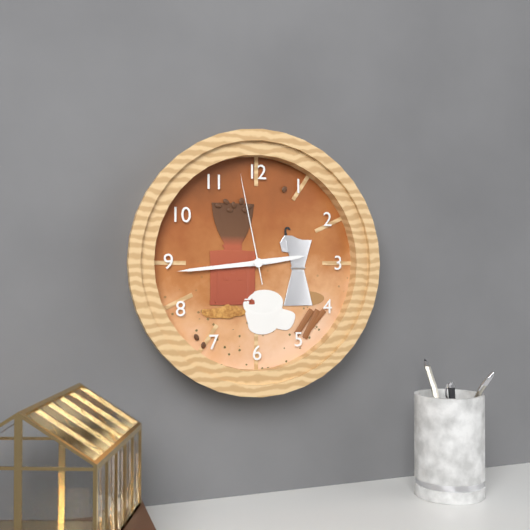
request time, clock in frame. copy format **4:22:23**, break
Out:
**2:44:58**
